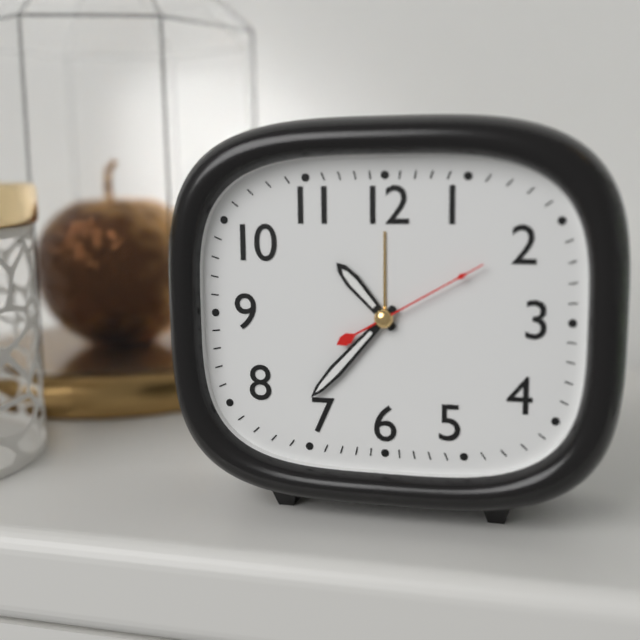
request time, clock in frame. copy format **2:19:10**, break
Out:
**10:37:10**
